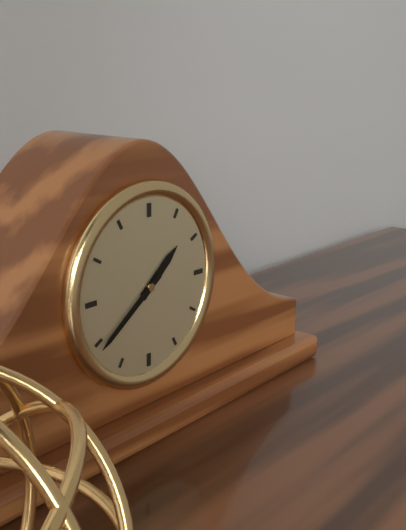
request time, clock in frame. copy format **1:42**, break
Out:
**1:39**
